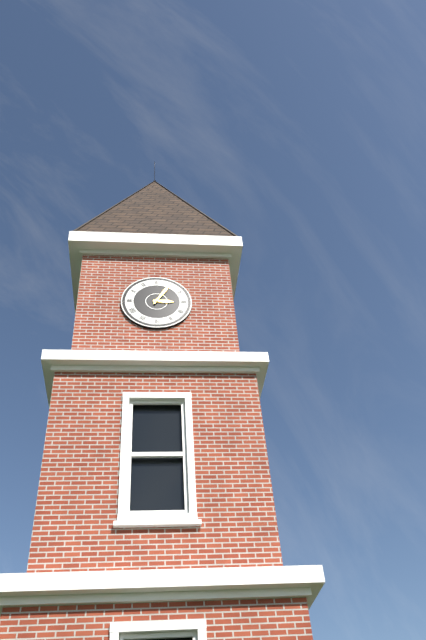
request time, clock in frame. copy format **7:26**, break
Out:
**3:05**
